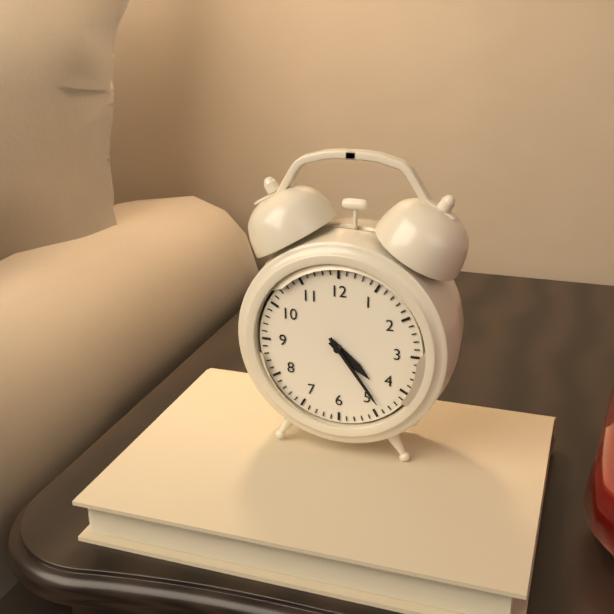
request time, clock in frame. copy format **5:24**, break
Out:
**4:24**
